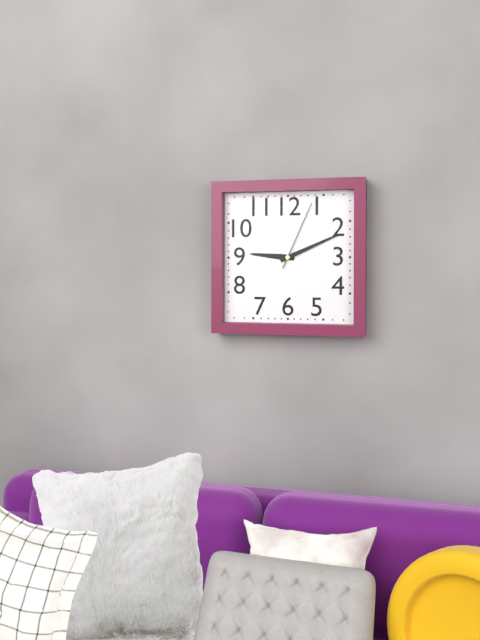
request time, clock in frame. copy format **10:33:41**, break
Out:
**9:11:04**
